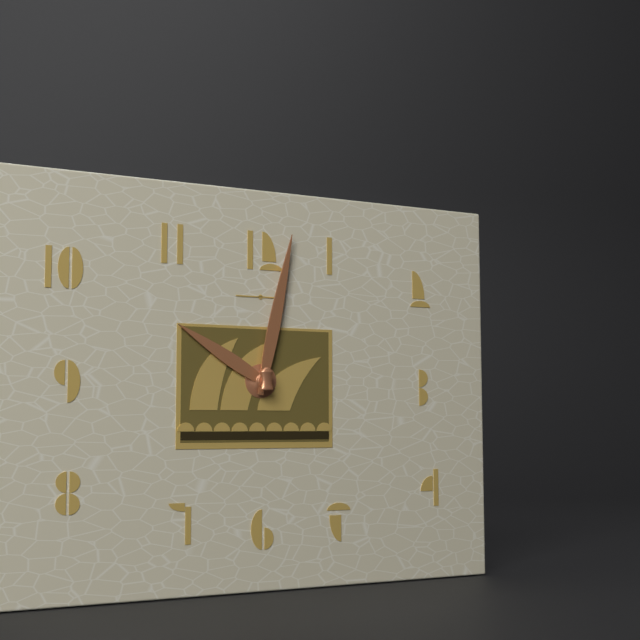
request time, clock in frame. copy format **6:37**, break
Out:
**10:02**
